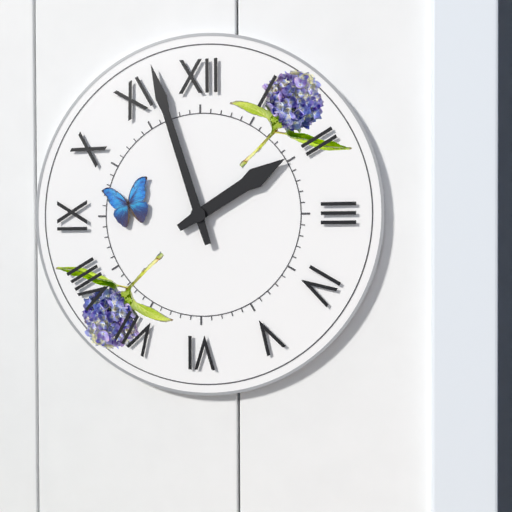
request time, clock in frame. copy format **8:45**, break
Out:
**1:57**
